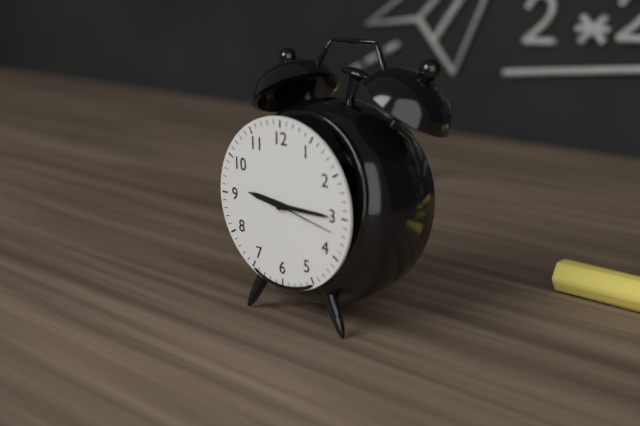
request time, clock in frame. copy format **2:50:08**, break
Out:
**9:15:17**
